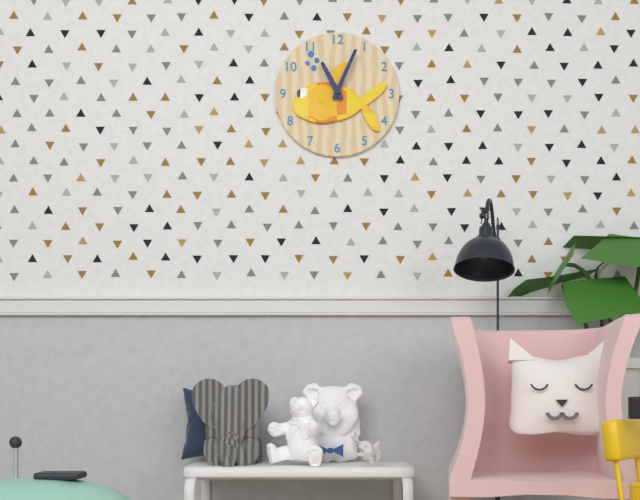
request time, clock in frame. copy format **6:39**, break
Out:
**11:04**
